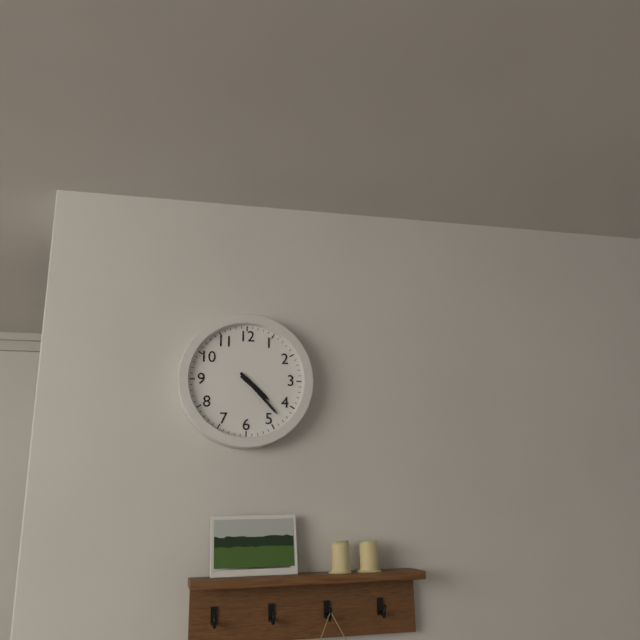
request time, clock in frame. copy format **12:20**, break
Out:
**4:23**
